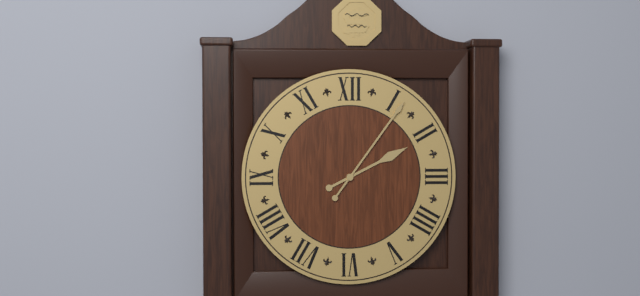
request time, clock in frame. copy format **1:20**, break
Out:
**2:06**
